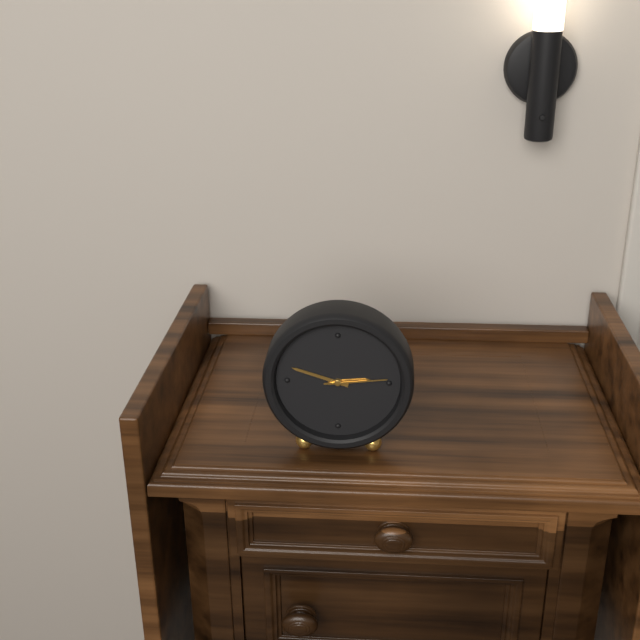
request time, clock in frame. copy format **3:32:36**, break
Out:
**2:48:14**
